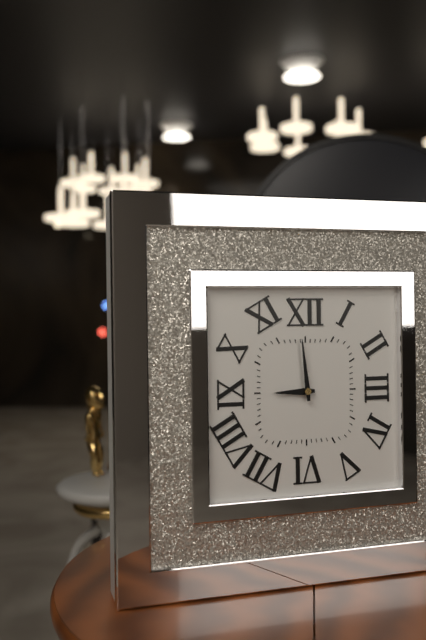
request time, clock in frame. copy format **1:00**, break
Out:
**8:59**
